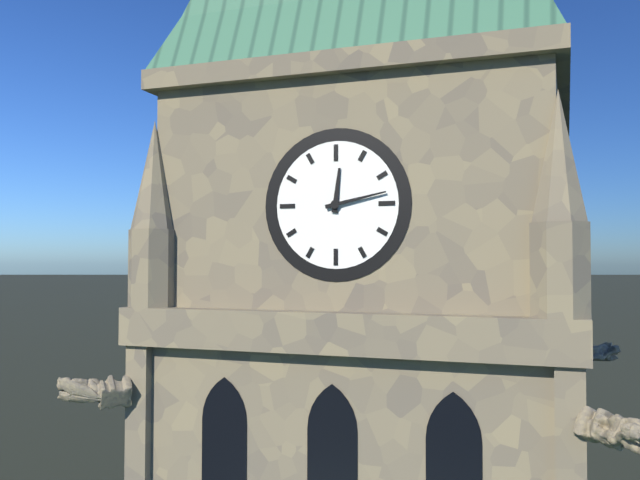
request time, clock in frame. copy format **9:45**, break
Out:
**12:13**
